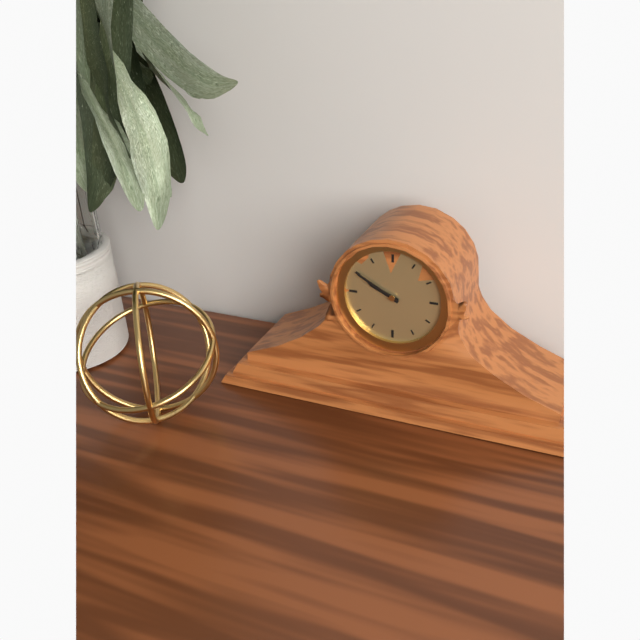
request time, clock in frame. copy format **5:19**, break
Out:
**9:50**
